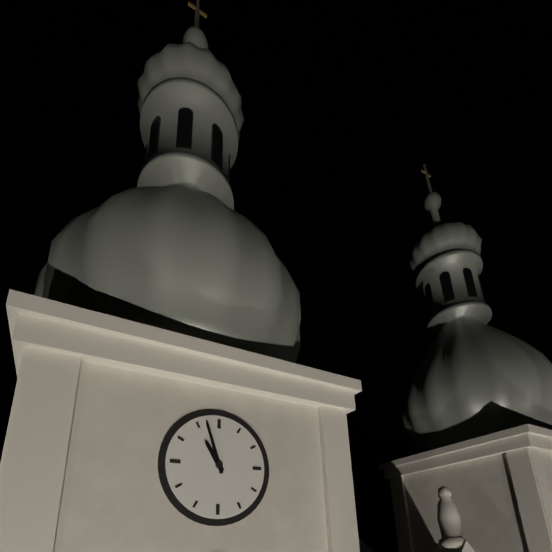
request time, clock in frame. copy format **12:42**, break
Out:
**10:57**
